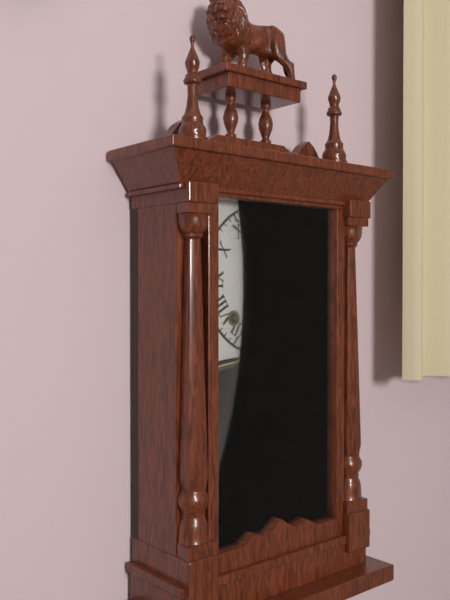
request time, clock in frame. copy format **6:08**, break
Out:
**7:11**
